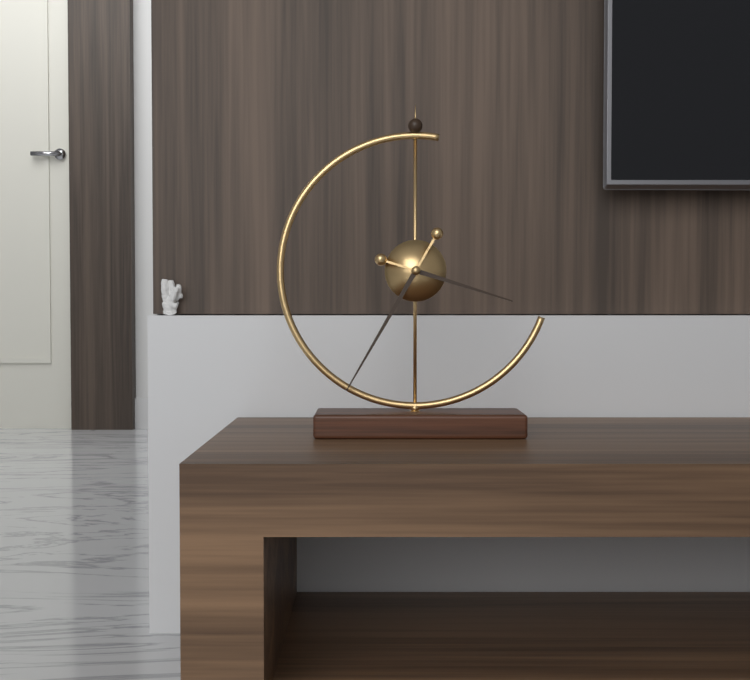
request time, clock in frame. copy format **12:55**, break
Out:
**3:35**
